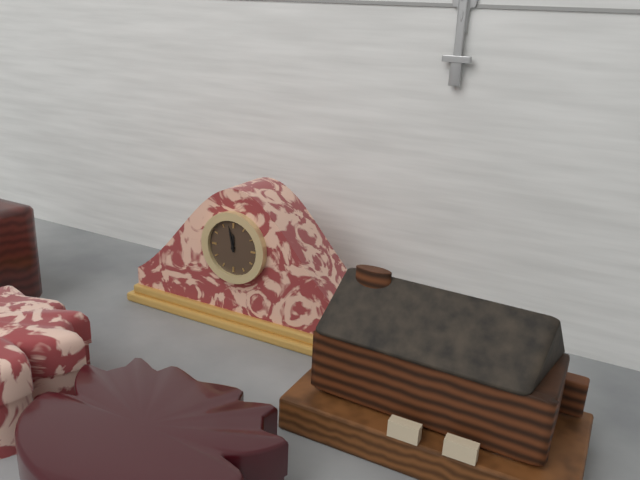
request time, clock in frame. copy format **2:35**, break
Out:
**11:58**
